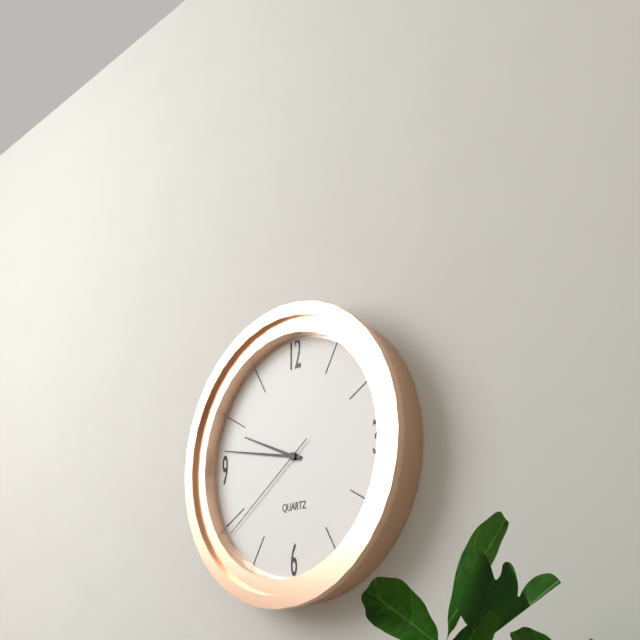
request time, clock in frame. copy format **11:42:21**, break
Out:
**9:47:39**
